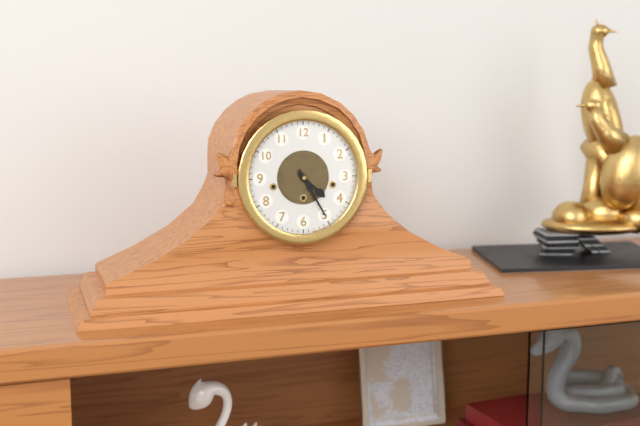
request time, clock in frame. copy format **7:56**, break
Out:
**4:25**
